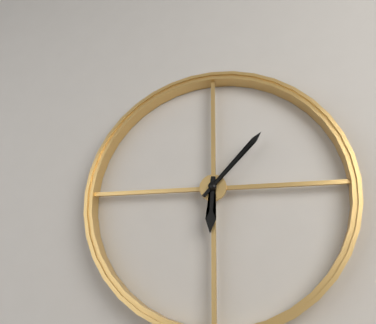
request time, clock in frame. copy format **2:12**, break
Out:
**6:07**
